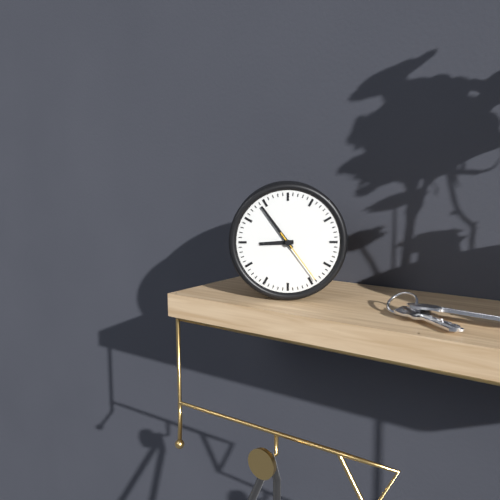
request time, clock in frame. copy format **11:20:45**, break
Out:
**8:54:24**
